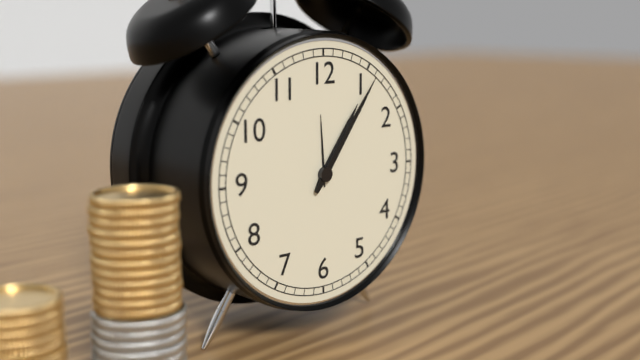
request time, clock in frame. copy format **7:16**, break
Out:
**1:06**
